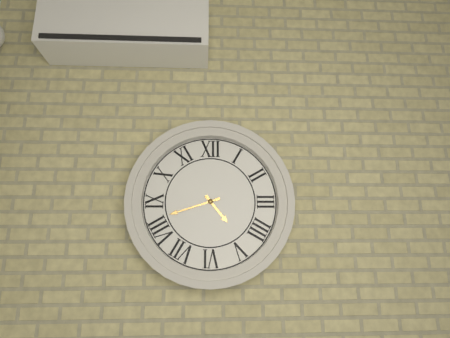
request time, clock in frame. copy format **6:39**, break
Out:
**4:42**
